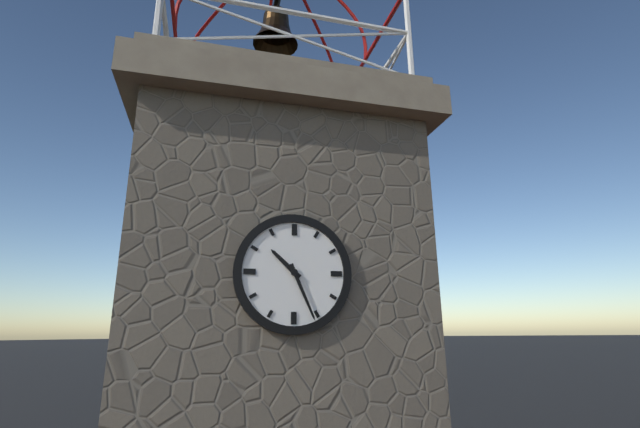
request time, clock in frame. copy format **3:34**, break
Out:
**10:26**
